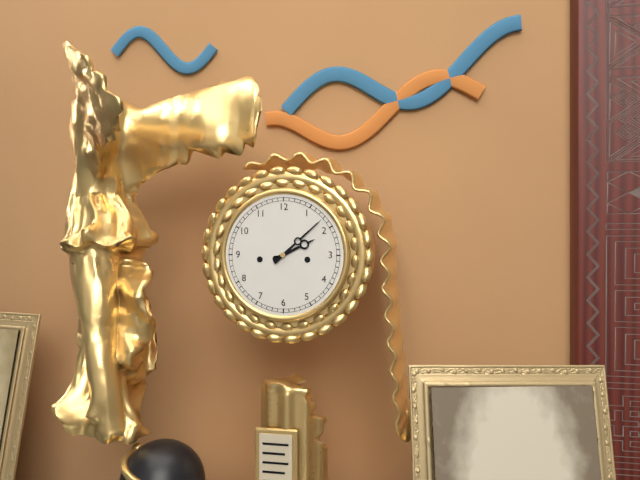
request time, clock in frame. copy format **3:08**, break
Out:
**2:08**
